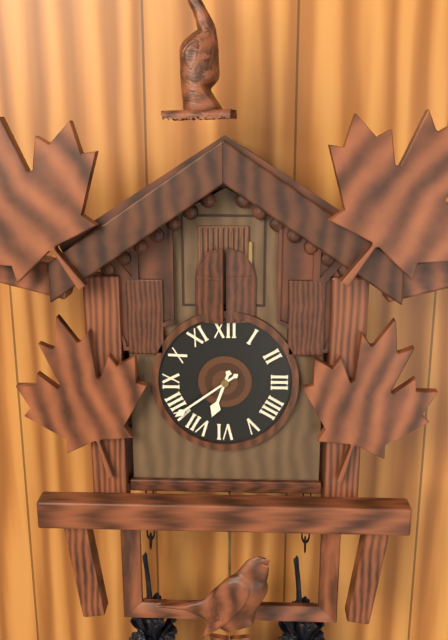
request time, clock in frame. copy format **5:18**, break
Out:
**6:39**
